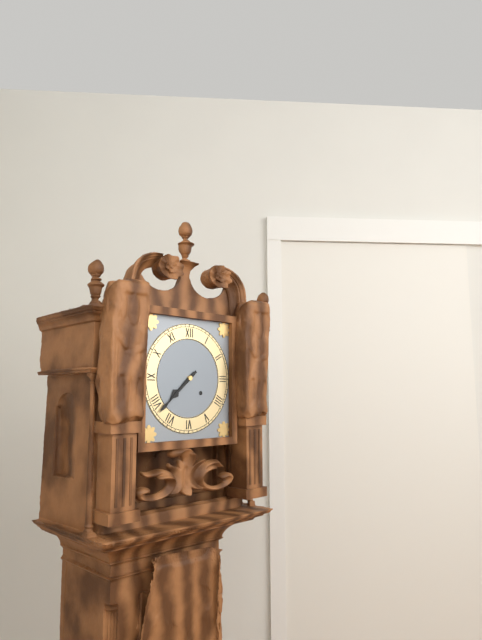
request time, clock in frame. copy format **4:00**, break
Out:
**7:38**
